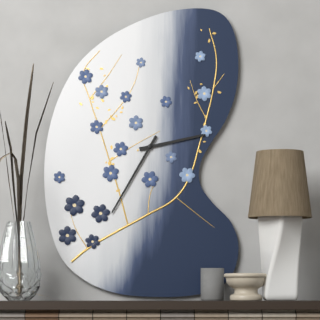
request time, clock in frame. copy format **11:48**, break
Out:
**2:35**
